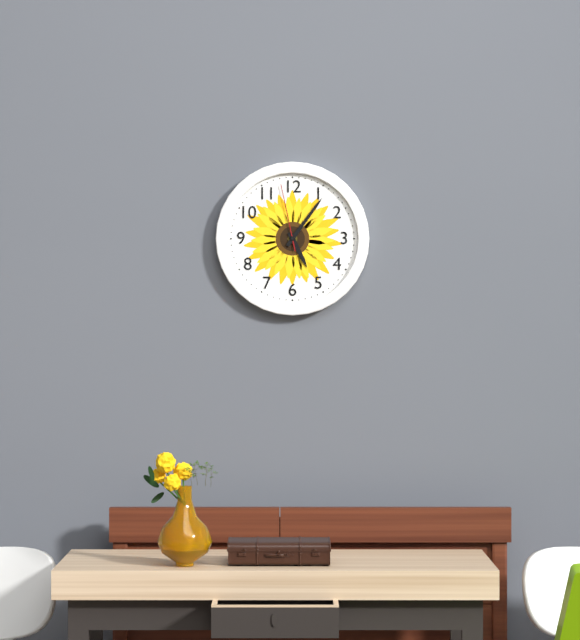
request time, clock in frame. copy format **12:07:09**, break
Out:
**5:06:58**
